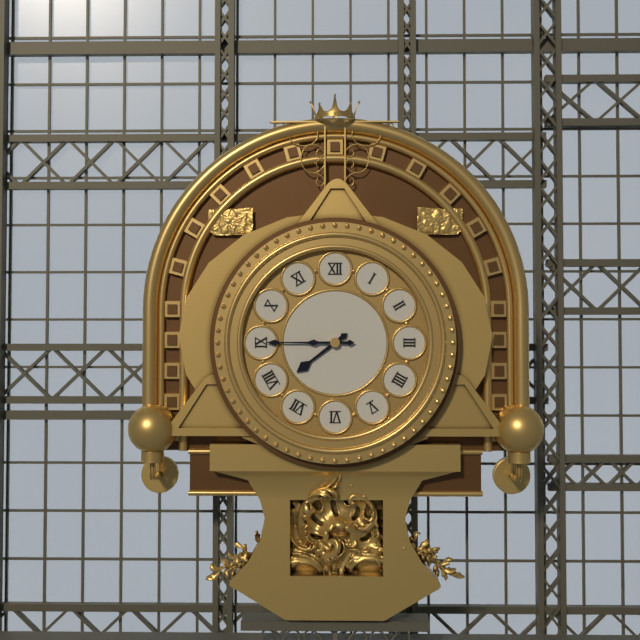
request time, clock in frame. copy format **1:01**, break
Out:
**7:45**
